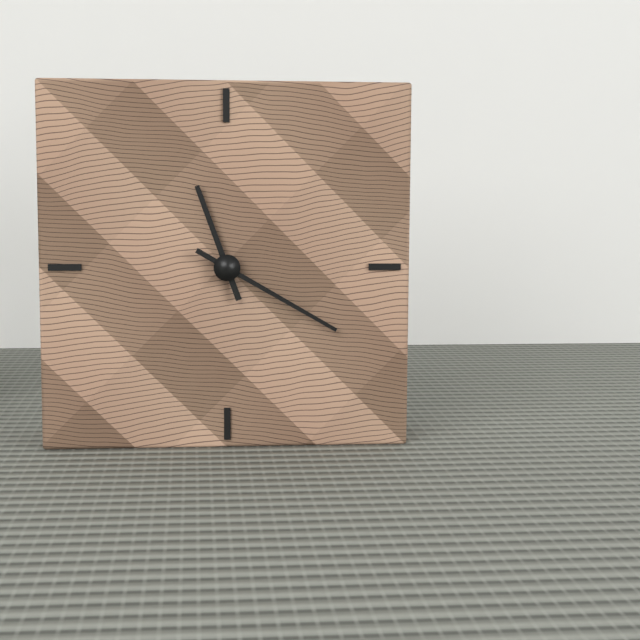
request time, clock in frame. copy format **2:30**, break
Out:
**11:20**
